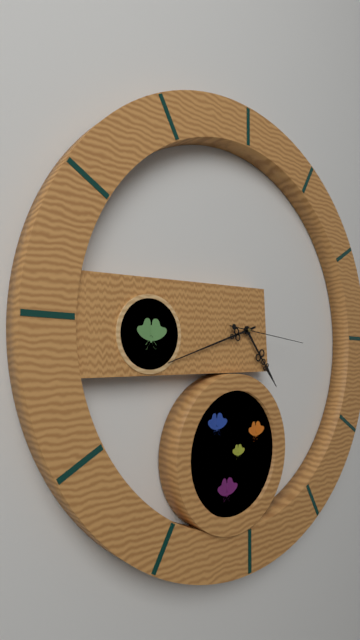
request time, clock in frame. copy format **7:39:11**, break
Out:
**4:42:16**
